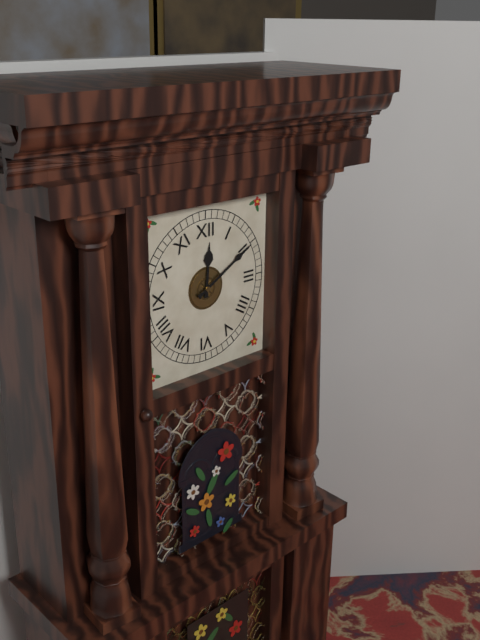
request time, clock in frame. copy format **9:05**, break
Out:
**12:10**
